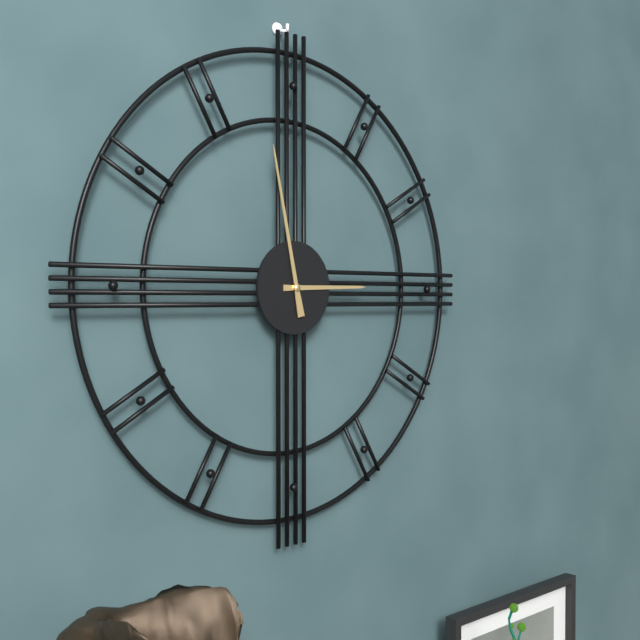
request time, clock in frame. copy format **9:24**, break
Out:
**2:58**
